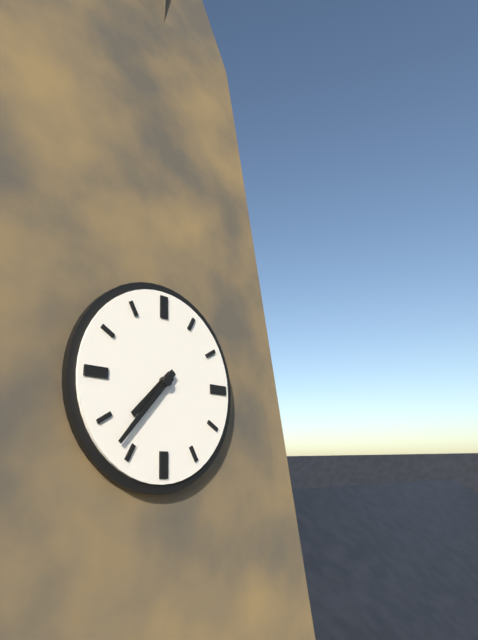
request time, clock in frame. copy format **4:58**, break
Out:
**7:37**
